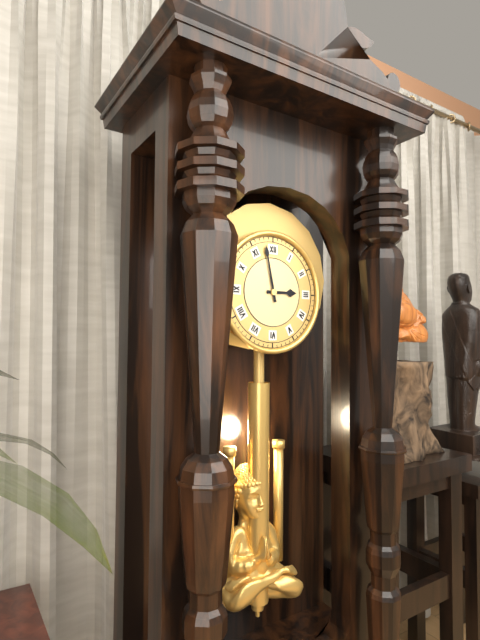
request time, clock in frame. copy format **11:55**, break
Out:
**2:58**
